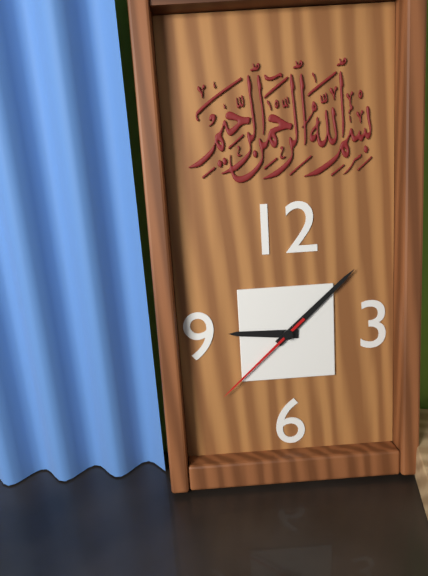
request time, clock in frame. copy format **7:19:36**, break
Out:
**9:08:38**
